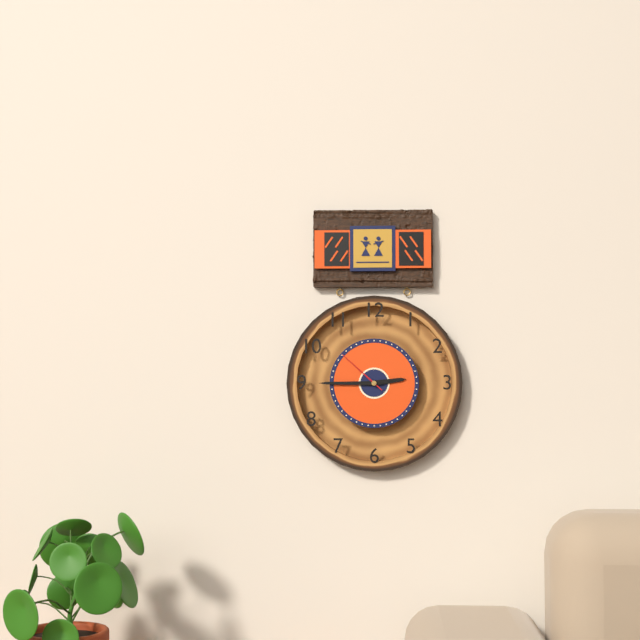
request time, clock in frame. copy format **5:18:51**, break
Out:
**2:45:52**
